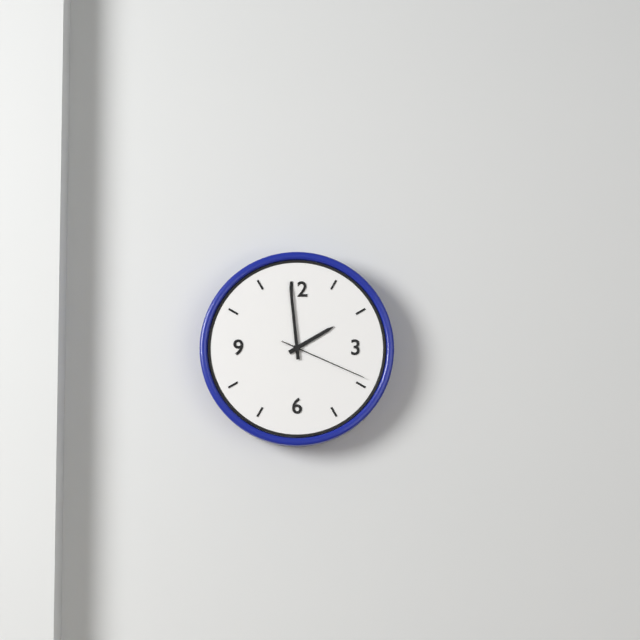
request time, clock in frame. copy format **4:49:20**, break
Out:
**1:59:19**
